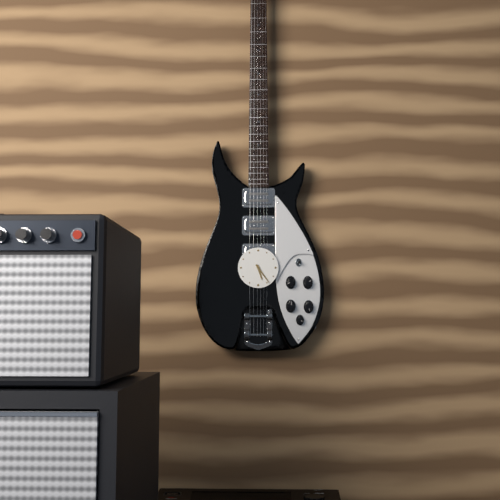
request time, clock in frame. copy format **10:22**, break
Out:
**5:24**
